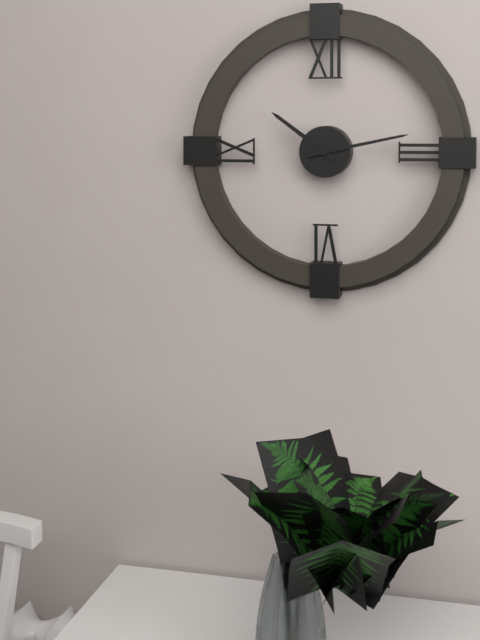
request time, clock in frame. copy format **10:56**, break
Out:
**10:13**
